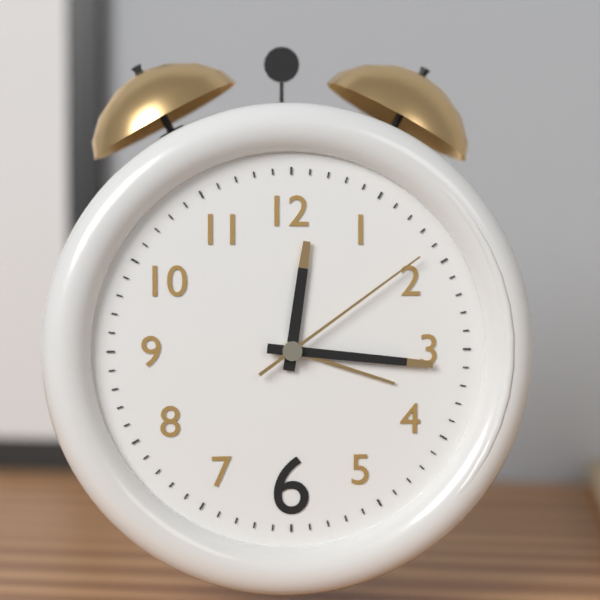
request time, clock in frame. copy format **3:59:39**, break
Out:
**12:16:09**
